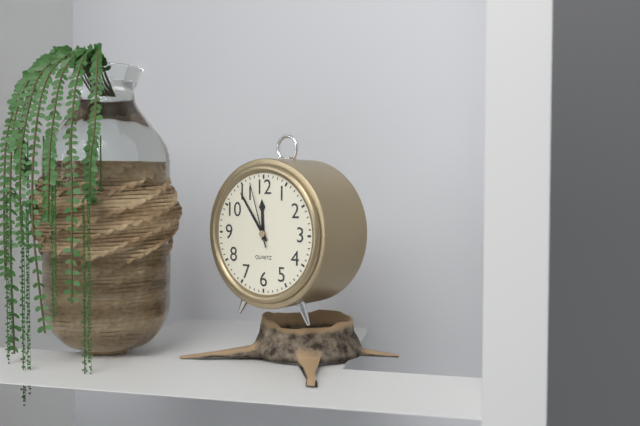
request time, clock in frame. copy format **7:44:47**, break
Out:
**11:54:57**
